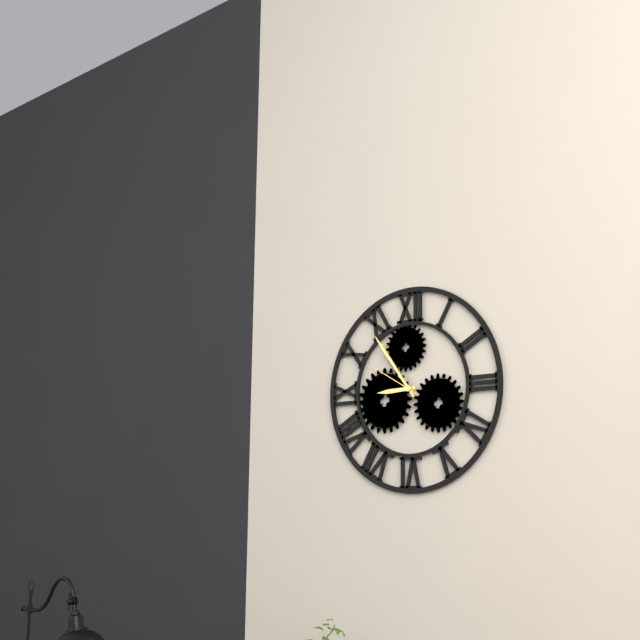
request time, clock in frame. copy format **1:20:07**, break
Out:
**8:54:50**
